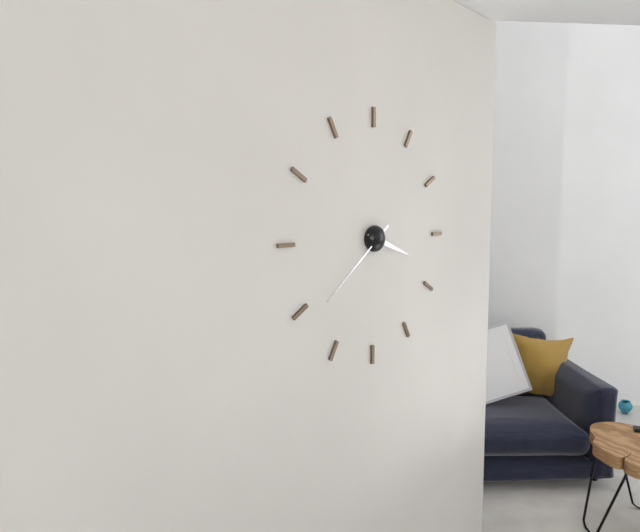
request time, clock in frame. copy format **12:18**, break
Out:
**3:39**
